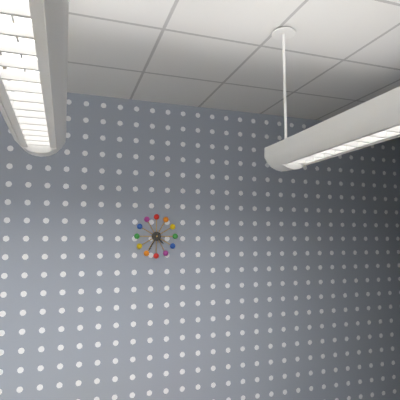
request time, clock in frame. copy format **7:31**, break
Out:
**4:35**
